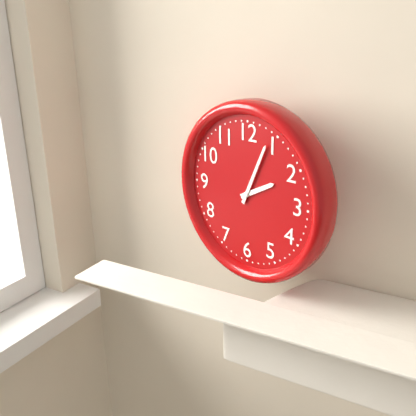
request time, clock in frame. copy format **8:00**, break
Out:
**2:04**
